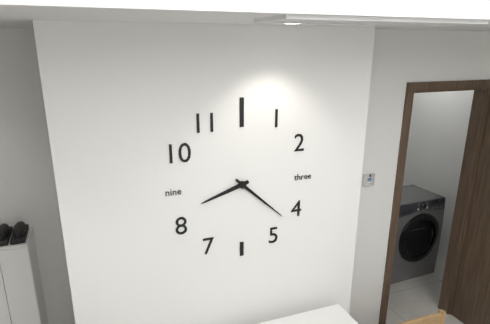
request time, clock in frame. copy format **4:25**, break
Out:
**8:22**
